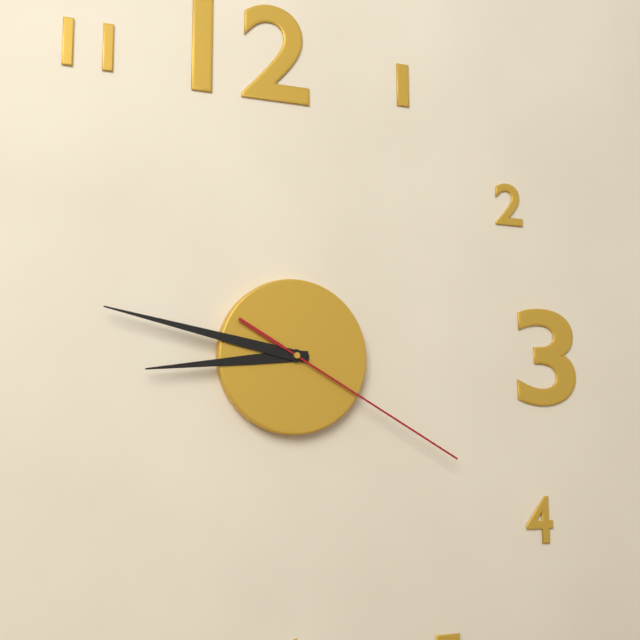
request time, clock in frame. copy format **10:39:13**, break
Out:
**8:47:20**
